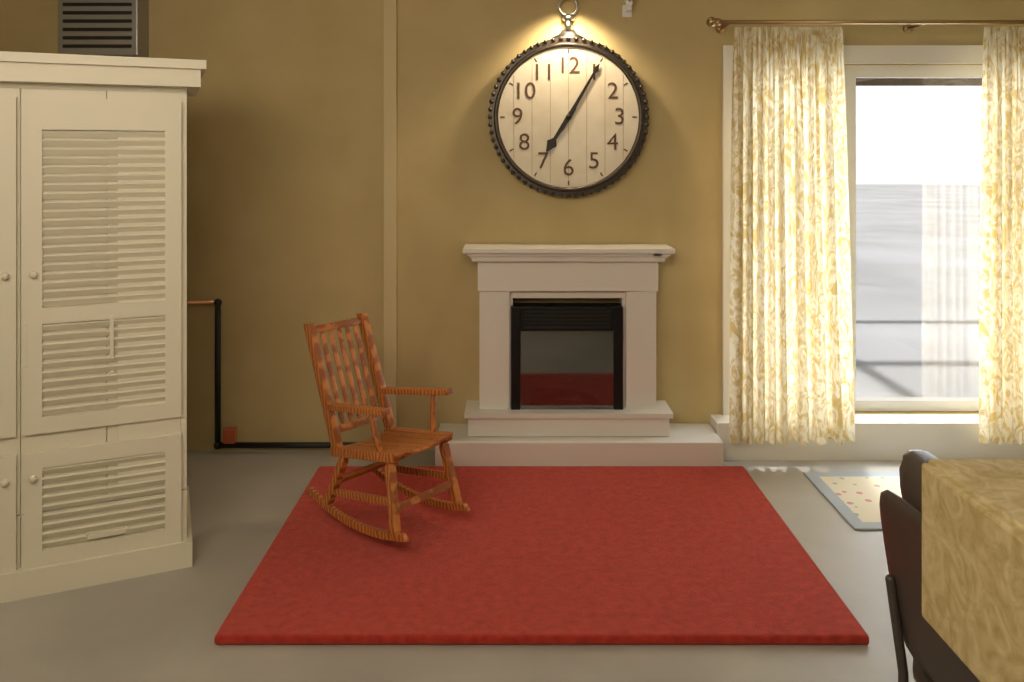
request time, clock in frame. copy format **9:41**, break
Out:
**7:05**
